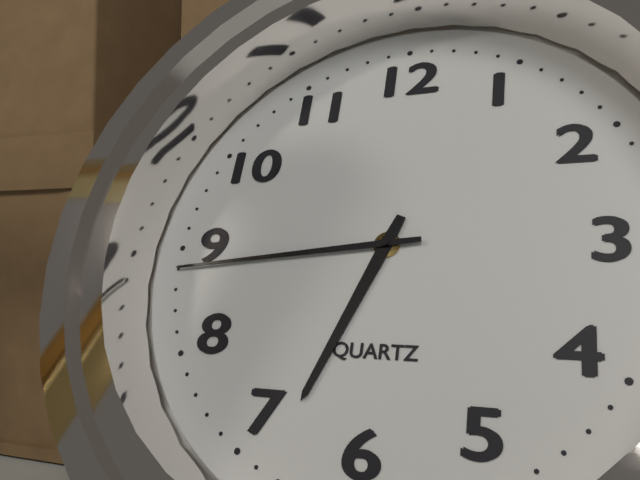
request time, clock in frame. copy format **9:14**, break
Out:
**6:44**
